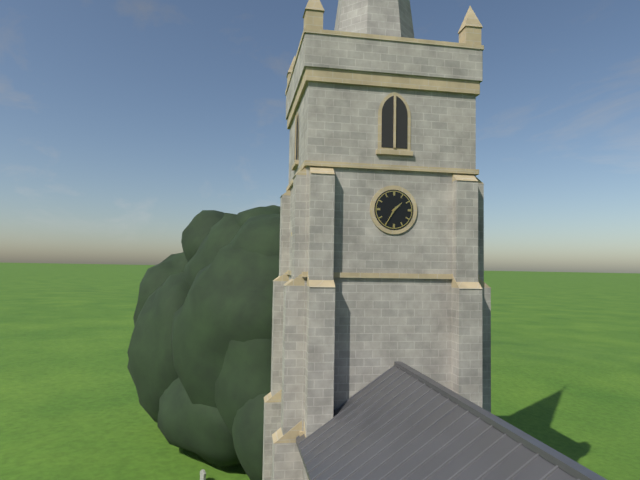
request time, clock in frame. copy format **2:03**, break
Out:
**1:35**
